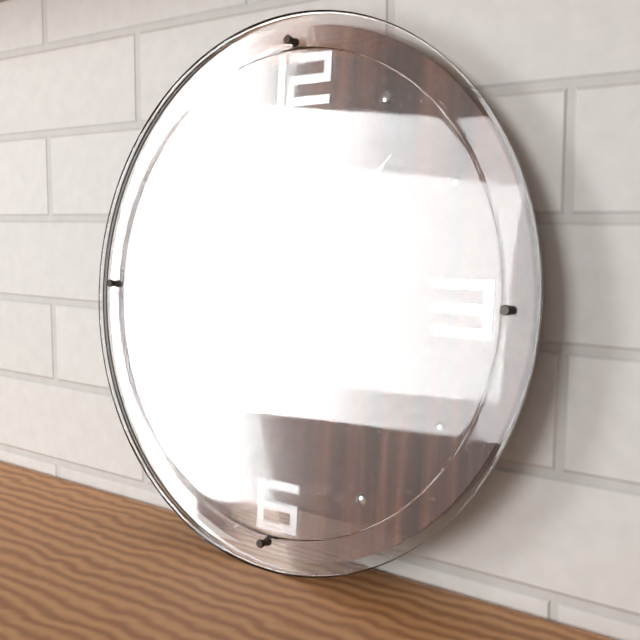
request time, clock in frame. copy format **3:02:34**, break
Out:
**1:07:08**
